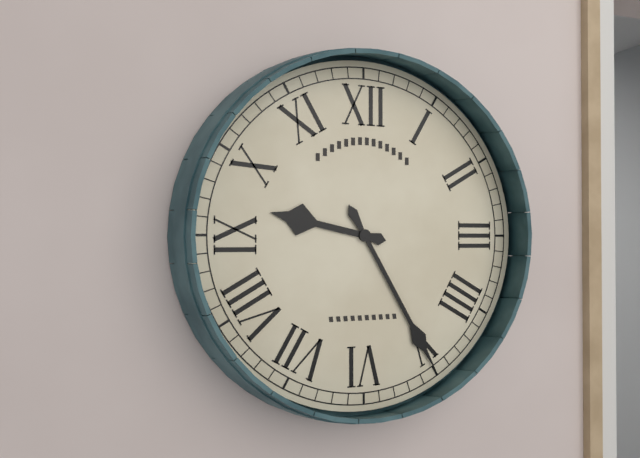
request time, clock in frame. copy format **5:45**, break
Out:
**9:25**
